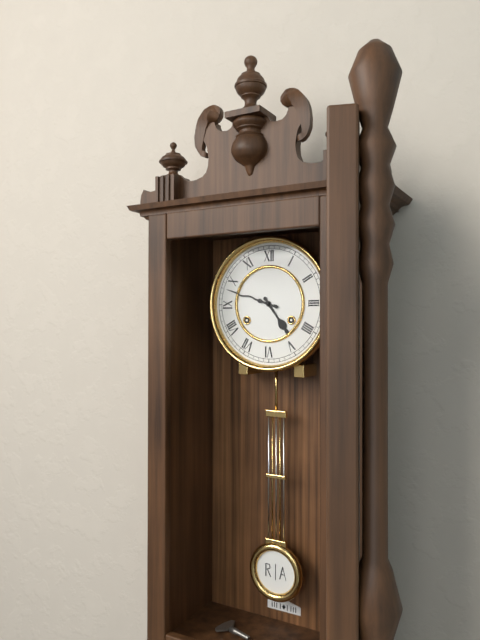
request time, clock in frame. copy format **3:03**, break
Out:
**4:48**
